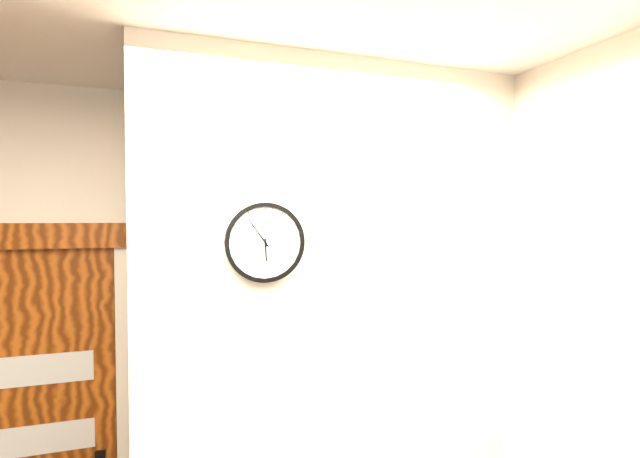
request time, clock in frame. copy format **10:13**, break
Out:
**5:54**
